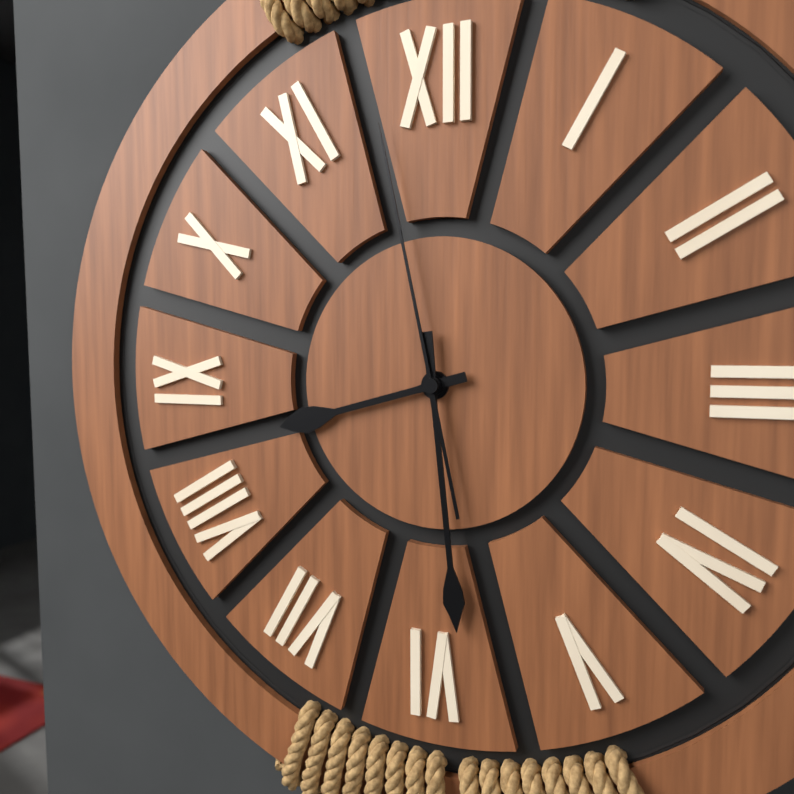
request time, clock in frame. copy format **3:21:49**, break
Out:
**8:29:58**
